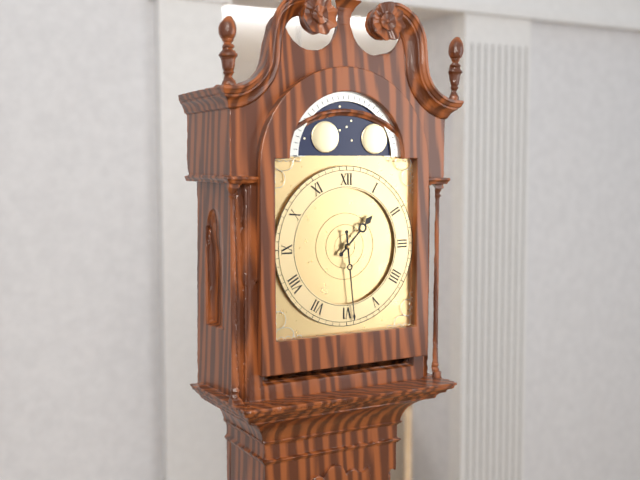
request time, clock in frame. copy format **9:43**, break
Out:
**1:29**
